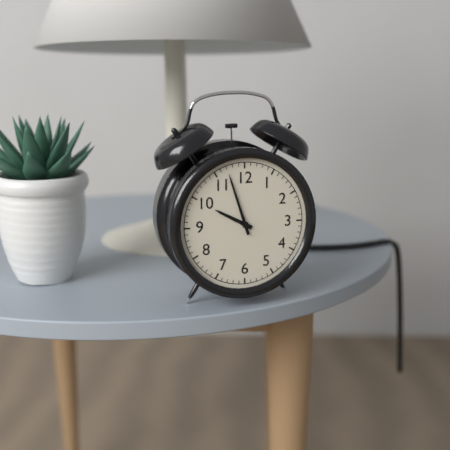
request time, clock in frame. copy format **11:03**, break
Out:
**9:57**
